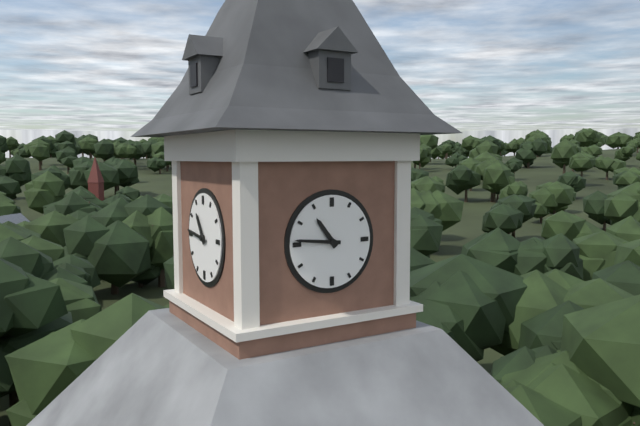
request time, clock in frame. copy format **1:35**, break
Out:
**10:46**
